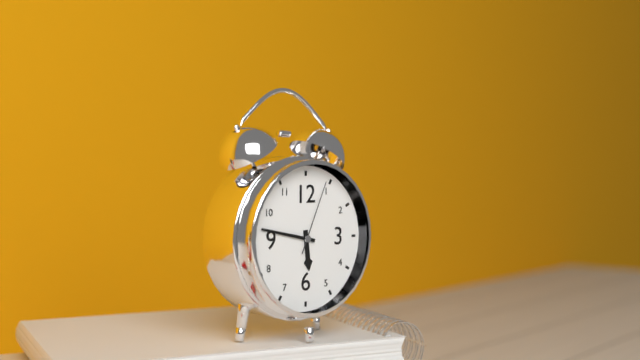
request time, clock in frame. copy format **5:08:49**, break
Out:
**5:47:04**
